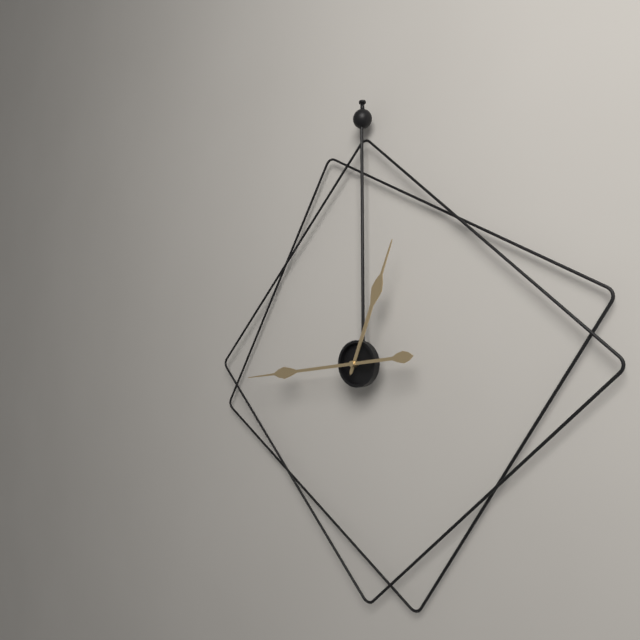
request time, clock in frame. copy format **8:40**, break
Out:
**12:44**
